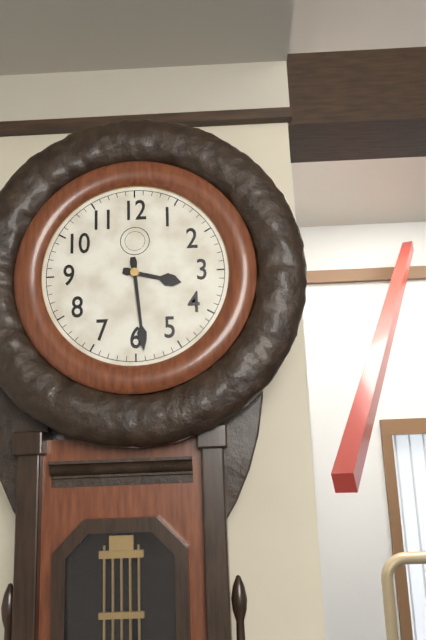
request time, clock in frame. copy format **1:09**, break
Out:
**3:29**
